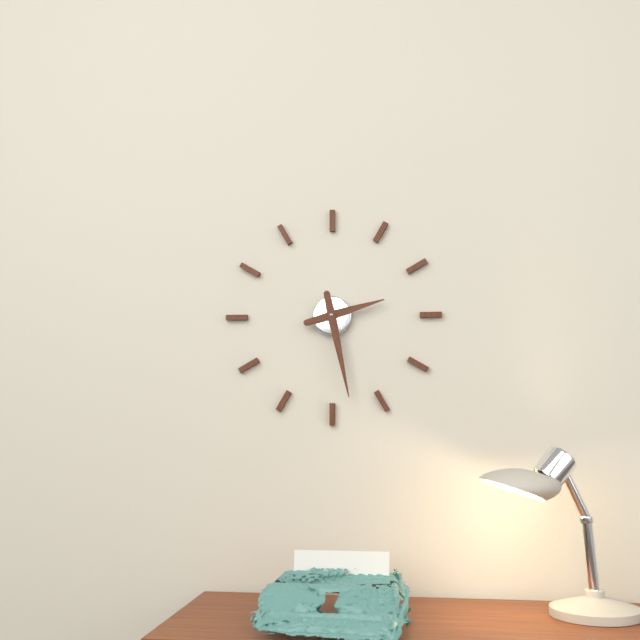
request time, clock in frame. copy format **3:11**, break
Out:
**2:28**
